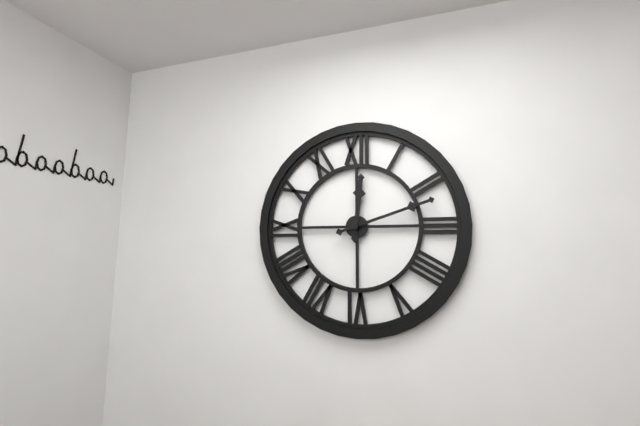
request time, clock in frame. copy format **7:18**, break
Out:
**12:12**
